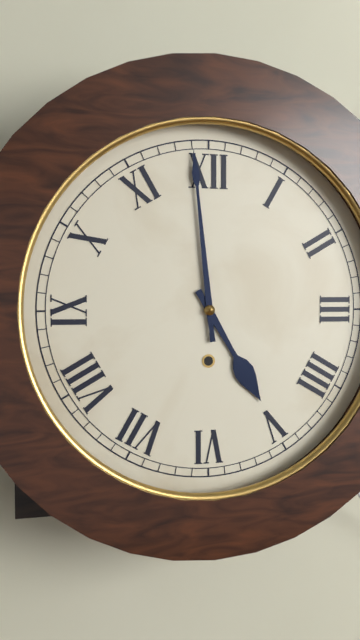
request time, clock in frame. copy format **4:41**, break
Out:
**4:59**
